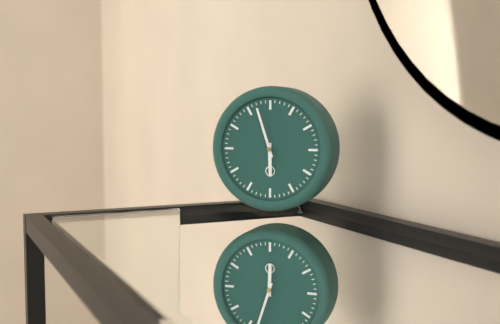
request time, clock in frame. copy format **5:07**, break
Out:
**5:57**
